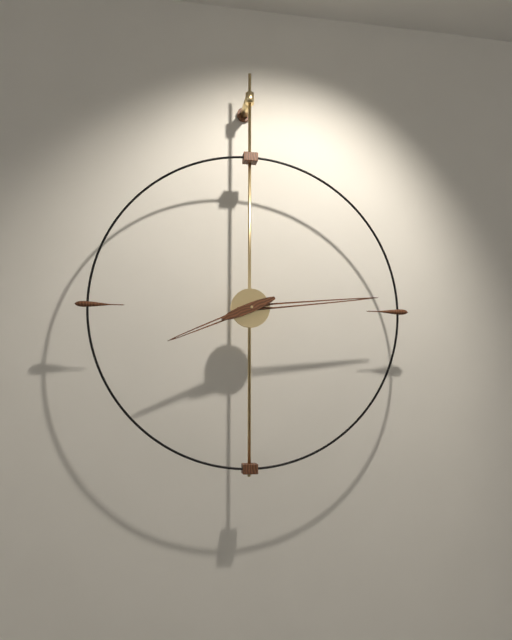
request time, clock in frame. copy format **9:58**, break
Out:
**8:14**
